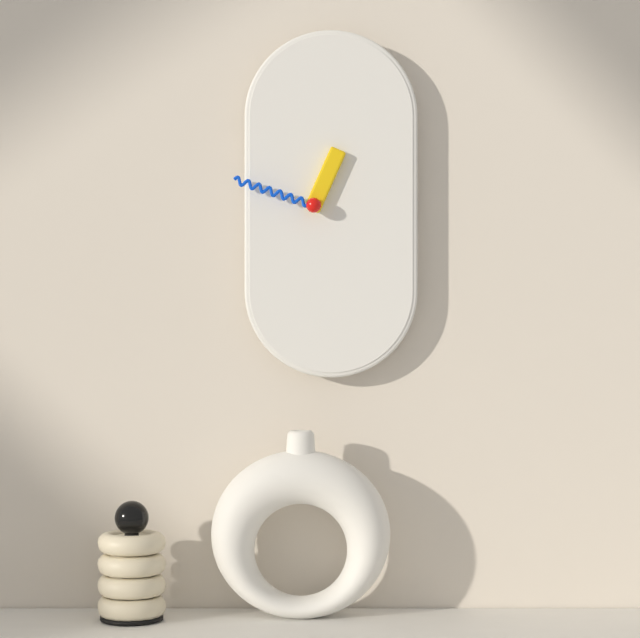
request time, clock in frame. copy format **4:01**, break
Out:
**12:48**
